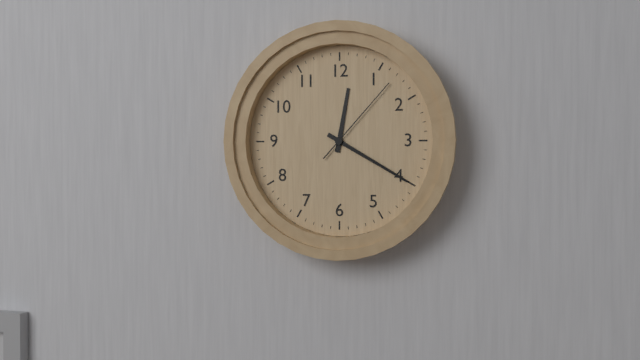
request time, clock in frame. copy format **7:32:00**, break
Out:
**12:20:07**
